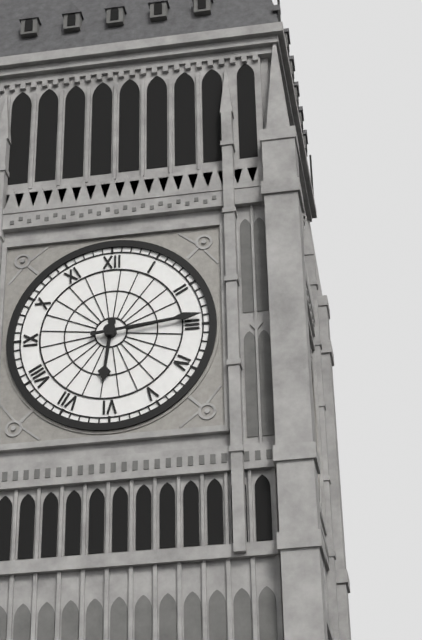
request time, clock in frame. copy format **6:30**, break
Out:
**6:14**
